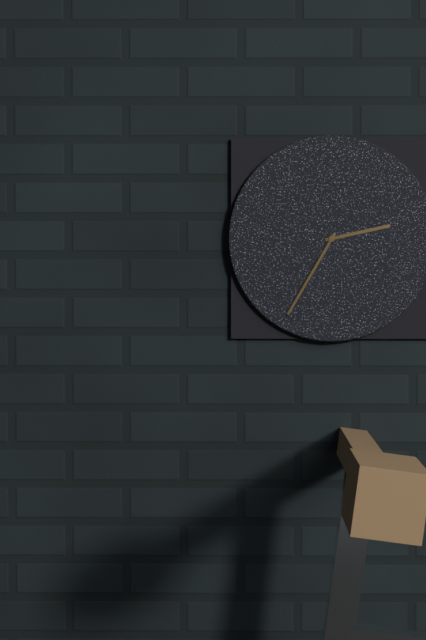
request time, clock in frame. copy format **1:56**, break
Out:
**2:35**
